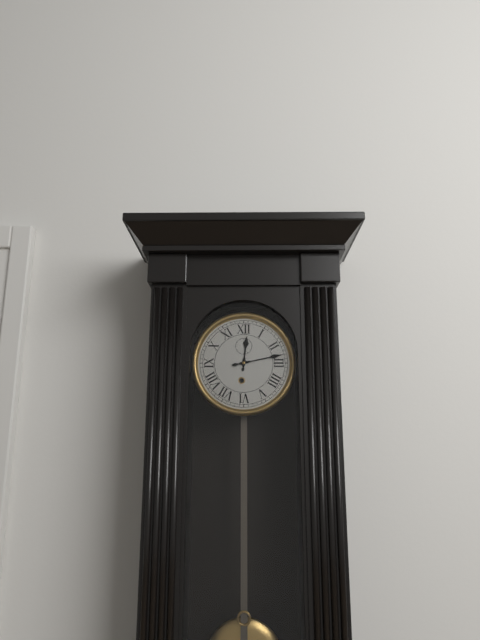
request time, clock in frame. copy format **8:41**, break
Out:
**12:13**
